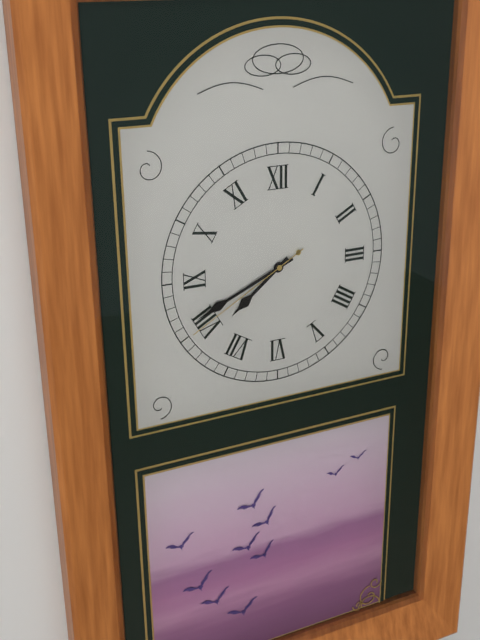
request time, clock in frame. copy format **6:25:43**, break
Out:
**7:41:40**
